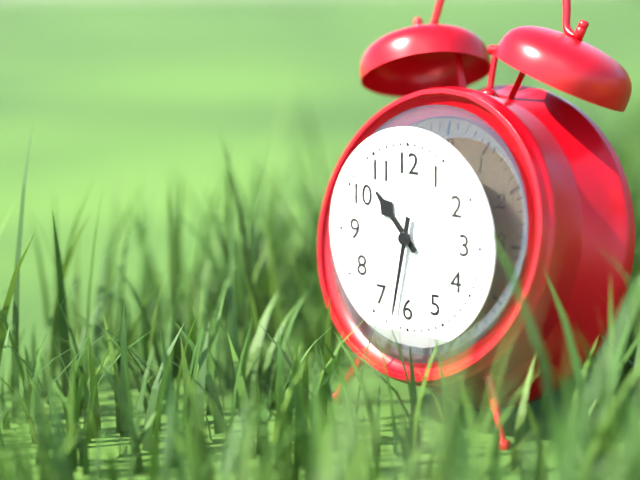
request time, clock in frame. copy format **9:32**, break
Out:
**10:32**
